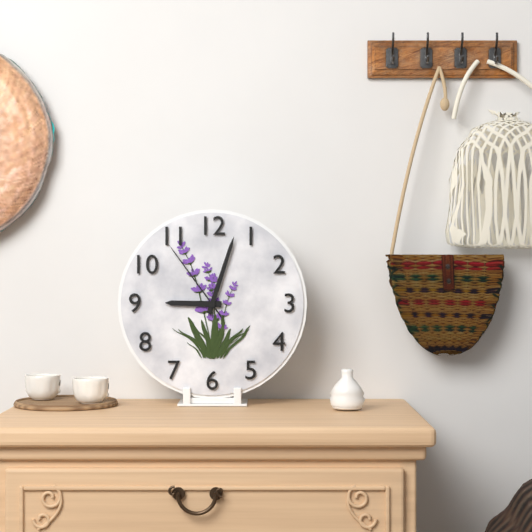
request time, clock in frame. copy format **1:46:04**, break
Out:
**9:03:54**
